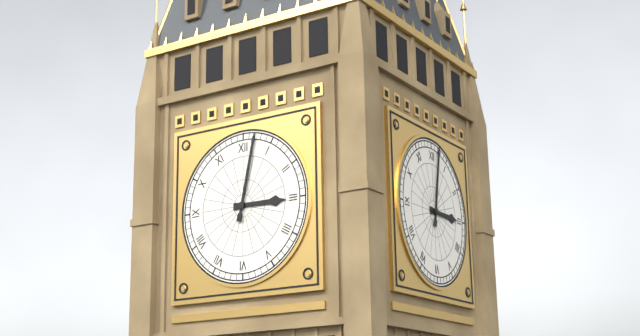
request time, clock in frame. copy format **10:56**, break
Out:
**3:02**
